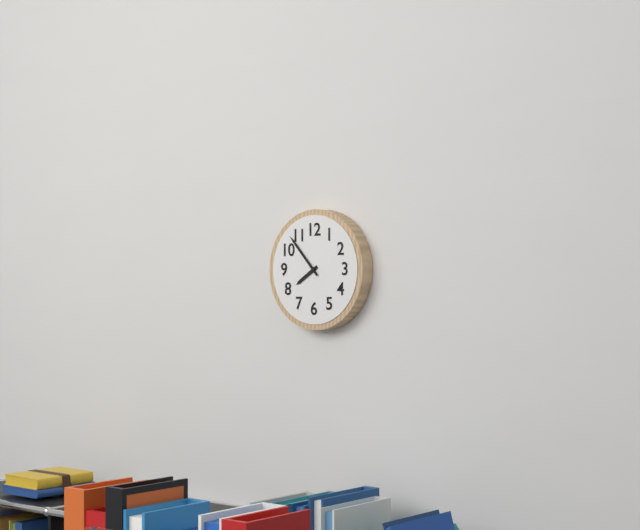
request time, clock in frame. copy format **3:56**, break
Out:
**7:53**
